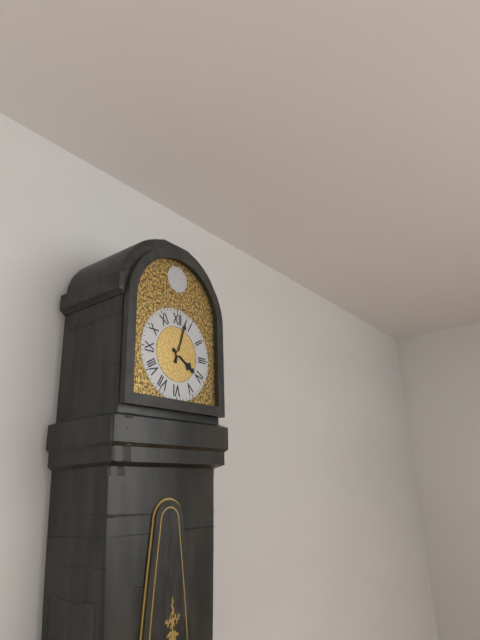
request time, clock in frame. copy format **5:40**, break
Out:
**4:03**
